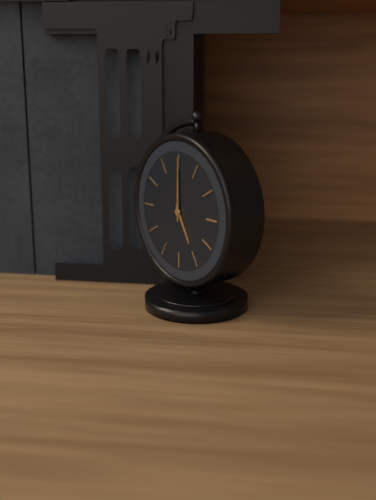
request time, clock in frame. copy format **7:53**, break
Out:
**5:00**
